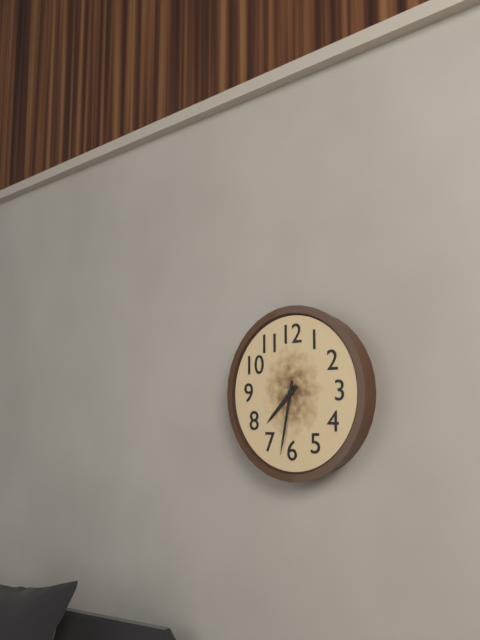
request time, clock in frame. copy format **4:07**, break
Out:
**7:32**
